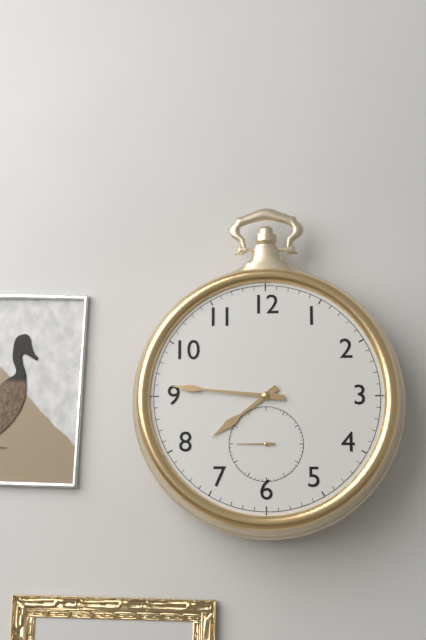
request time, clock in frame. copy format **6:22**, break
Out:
**7:46**
